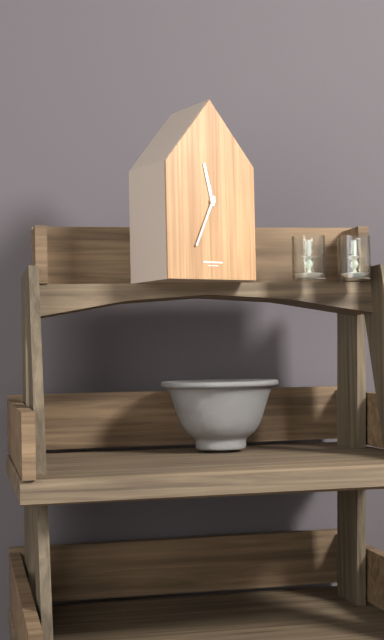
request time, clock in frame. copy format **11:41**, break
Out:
**11:34**
